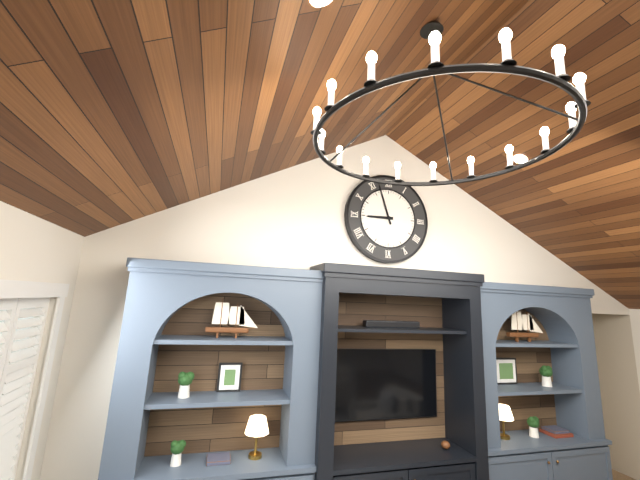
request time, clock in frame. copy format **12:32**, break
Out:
**8:57**
